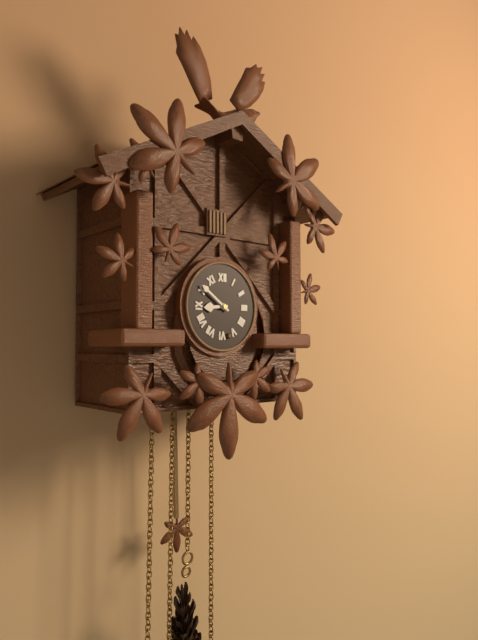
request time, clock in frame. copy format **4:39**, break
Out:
**8:51**
